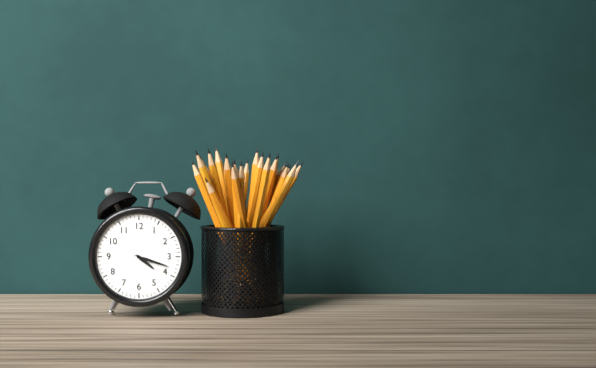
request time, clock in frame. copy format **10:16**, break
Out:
**4:18**
